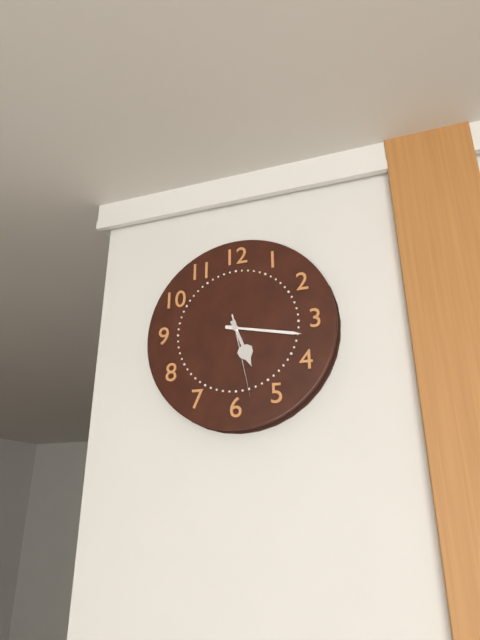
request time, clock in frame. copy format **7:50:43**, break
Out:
**5:17:28**
